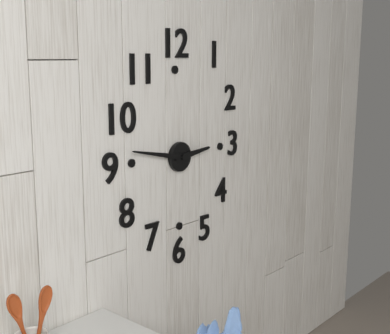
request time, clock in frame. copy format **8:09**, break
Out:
**2:47**
